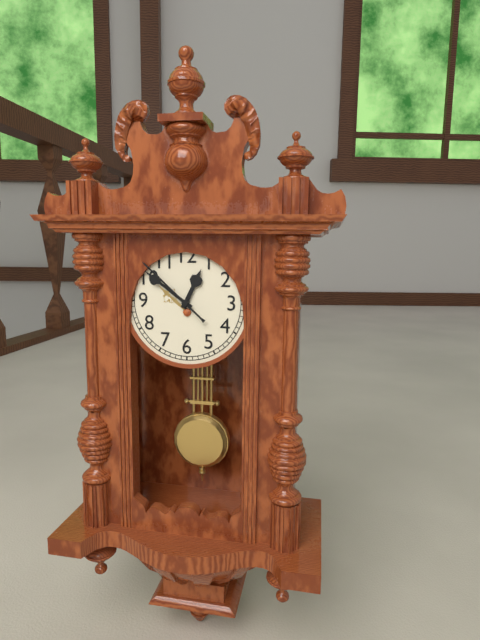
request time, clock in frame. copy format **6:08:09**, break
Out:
**12:51:52**
